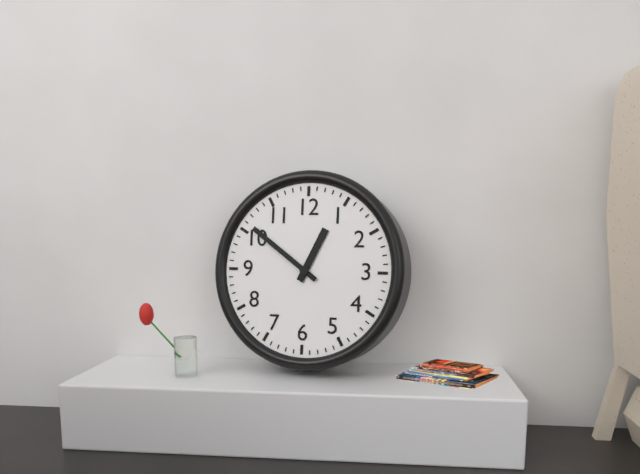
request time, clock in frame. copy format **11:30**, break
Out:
**12:51**
